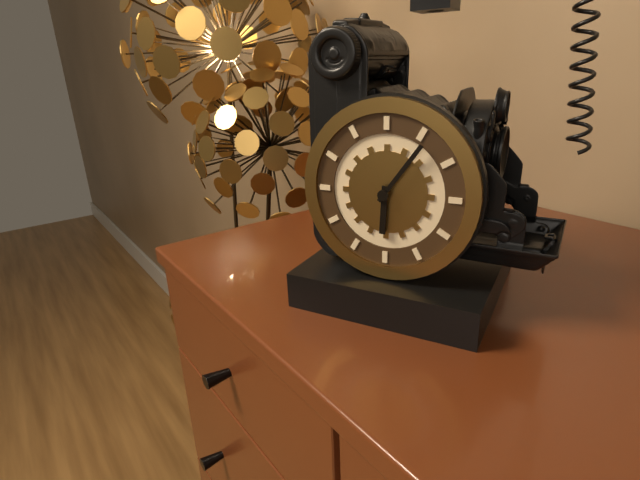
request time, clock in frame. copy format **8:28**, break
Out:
**6:06**
